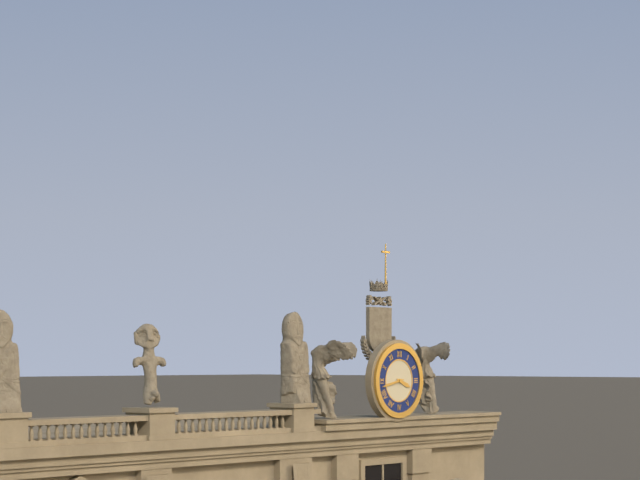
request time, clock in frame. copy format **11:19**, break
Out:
**3:43**
